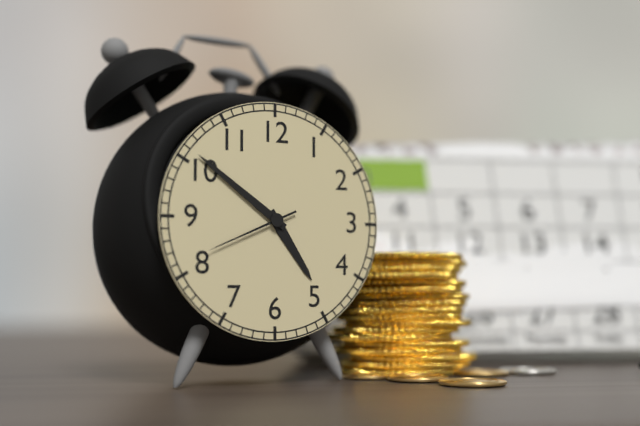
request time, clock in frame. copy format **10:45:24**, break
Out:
**4:51:41**
